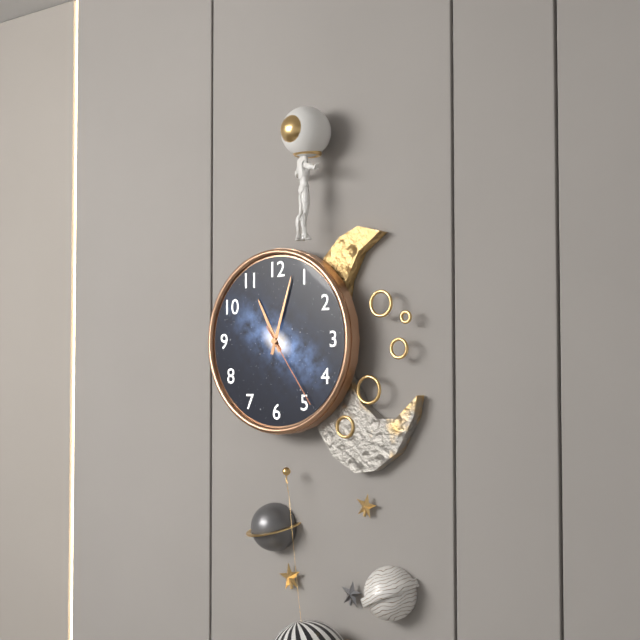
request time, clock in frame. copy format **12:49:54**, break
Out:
**11:03:24**
